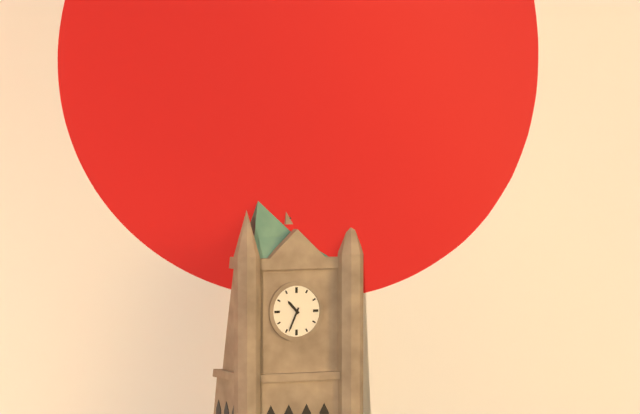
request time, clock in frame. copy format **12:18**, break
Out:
**10:34**
